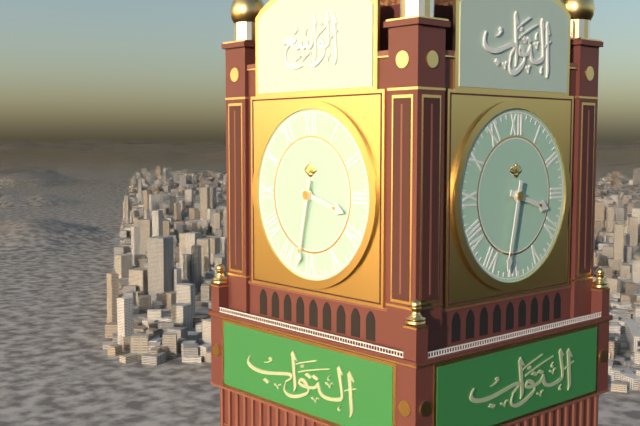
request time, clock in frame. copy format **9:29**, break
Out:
**3:32**
